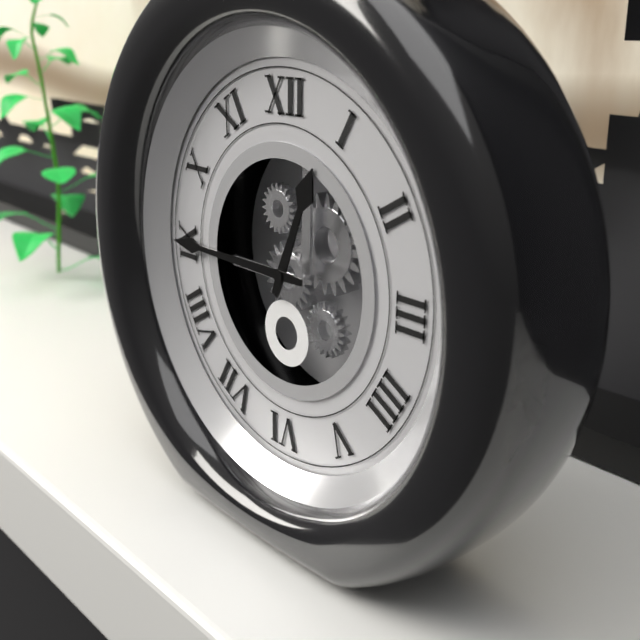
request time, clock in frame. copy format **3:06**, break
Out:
**12:45**
